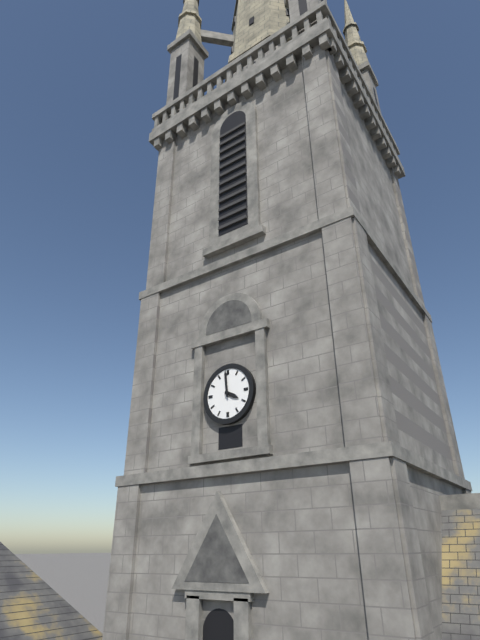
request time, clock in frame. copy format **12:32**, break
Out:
**3:59**
